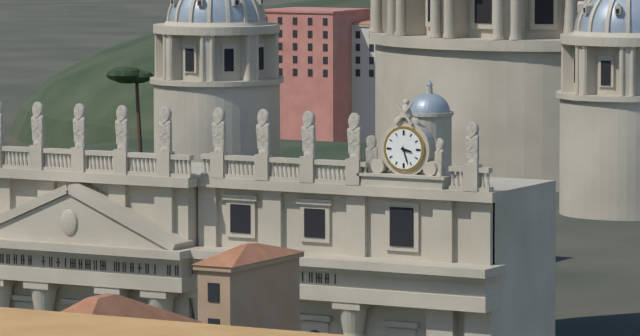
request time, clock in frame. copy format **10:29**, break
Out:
**3:27**
